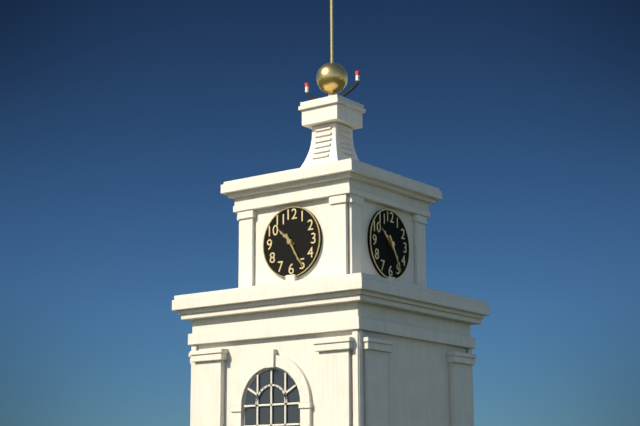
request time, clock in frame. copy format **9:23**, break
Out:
**10:25**
